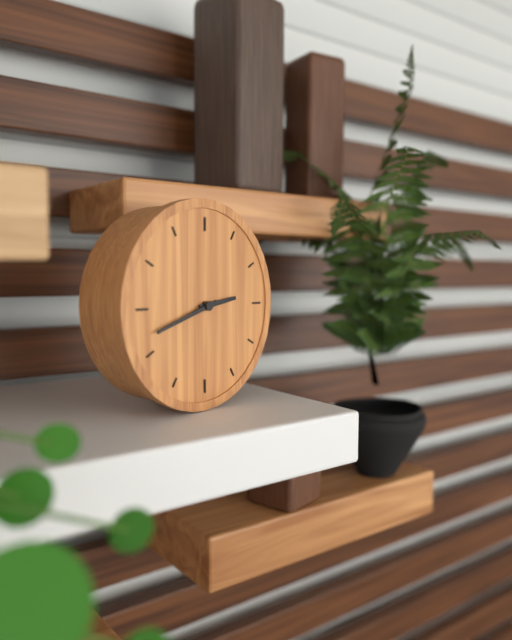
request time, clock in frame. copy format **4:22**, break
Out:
**2:42**
